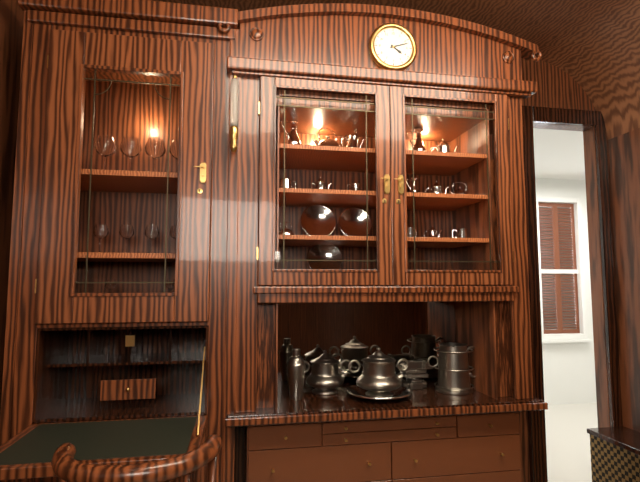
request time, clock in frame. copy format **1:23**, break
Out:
**4:12**
